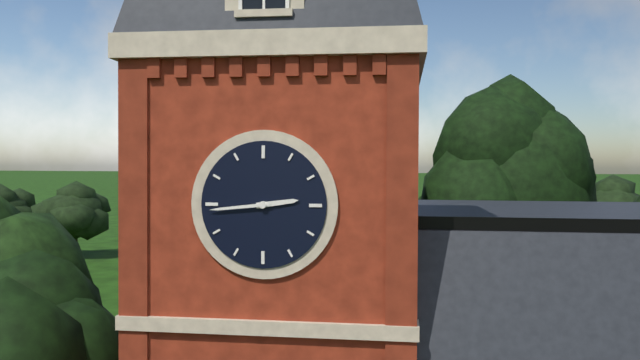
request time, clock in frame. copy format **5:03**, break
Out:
**2:44**
